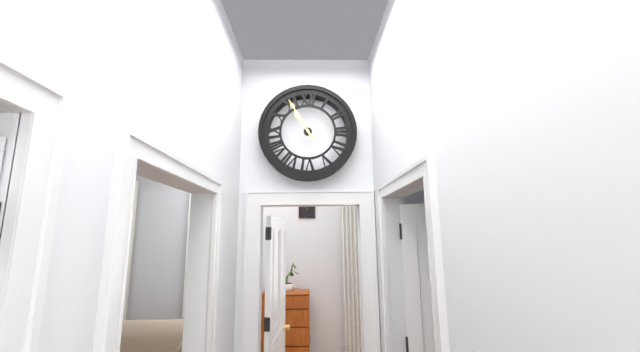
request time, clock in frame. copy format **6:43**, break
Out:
**10:55**
